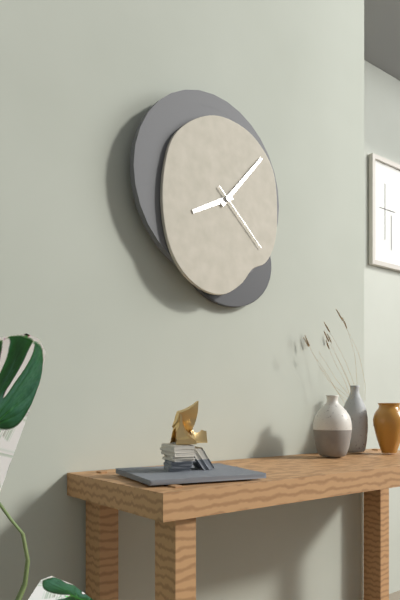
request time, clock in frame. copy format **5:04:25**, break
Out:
**8:07:22**
